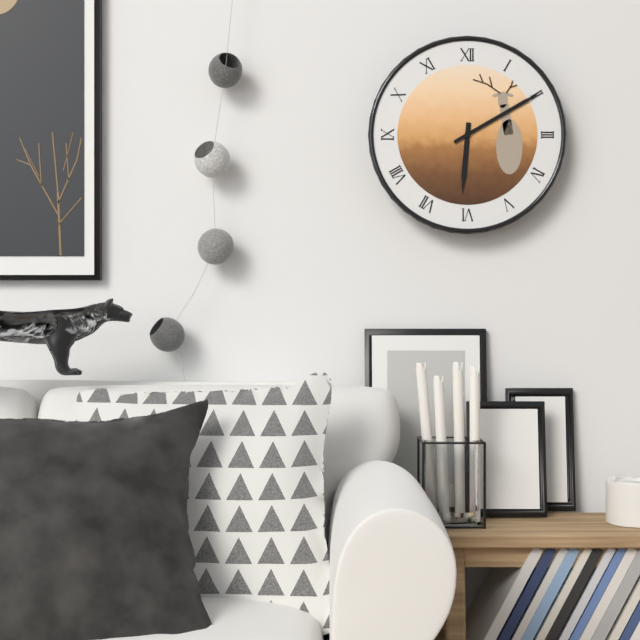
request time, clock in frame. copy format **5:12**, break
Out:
**6:10**
